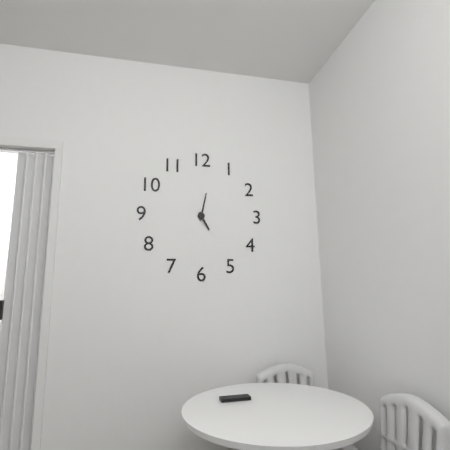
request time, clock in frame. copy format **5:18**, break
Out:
**5:02**
